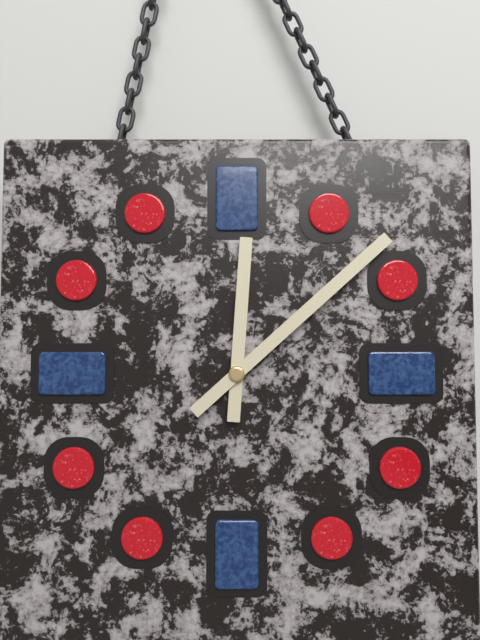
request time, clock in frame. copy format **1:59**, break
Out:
**12:08**
